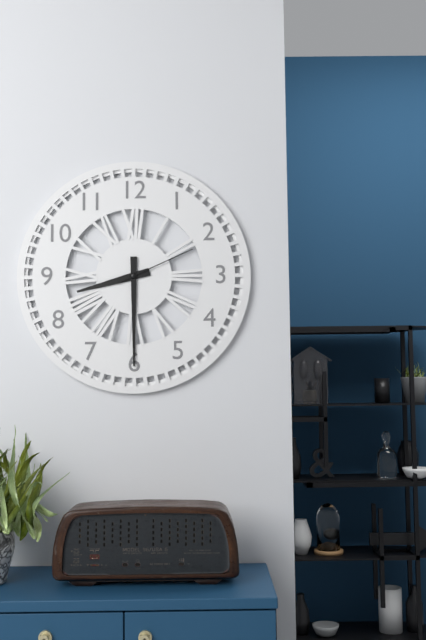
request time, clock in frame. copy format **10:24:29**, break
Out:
**8:30:11**
